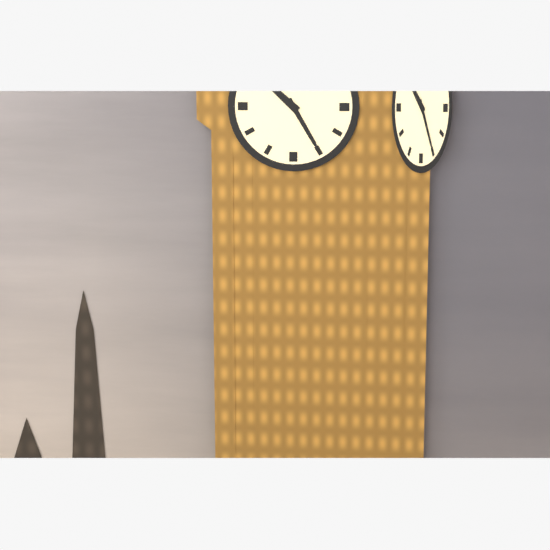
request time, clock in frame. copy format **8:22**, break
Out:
**10:25**
